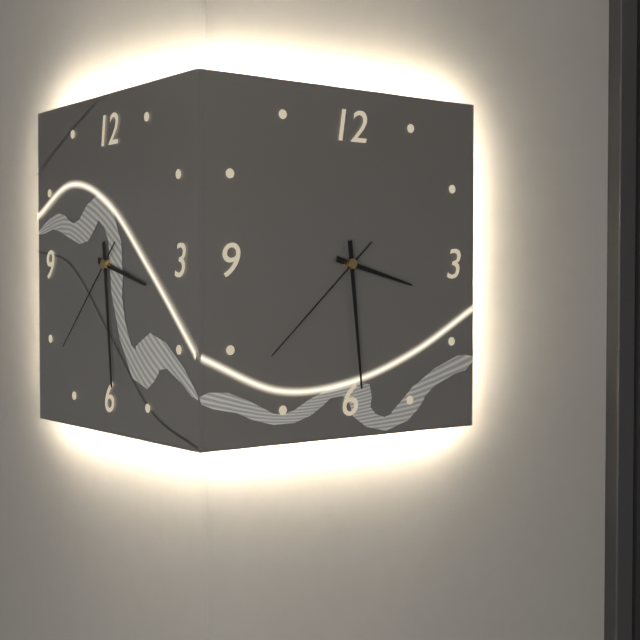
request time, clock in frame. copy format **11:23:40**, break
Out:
**3:29:38**
